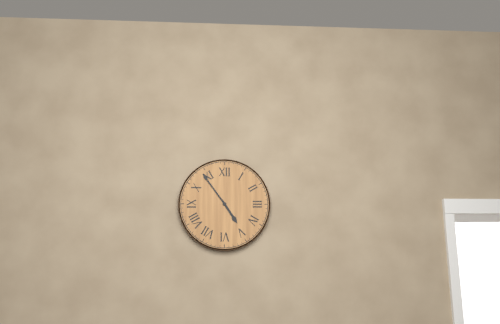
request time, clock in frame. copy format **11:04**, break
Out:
**4:54**
